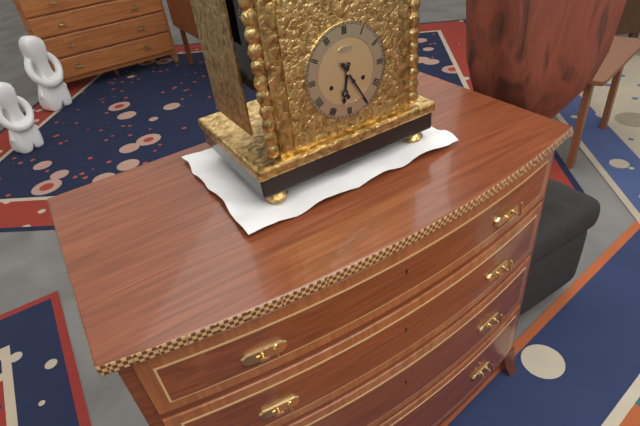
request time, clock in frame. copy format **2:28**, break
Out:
**6:25**
